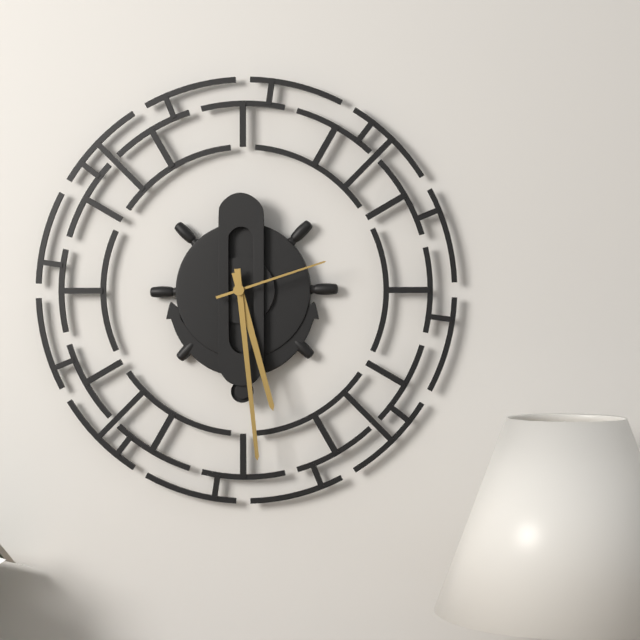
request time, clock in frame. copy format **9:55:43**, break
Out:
**5:29:12**
